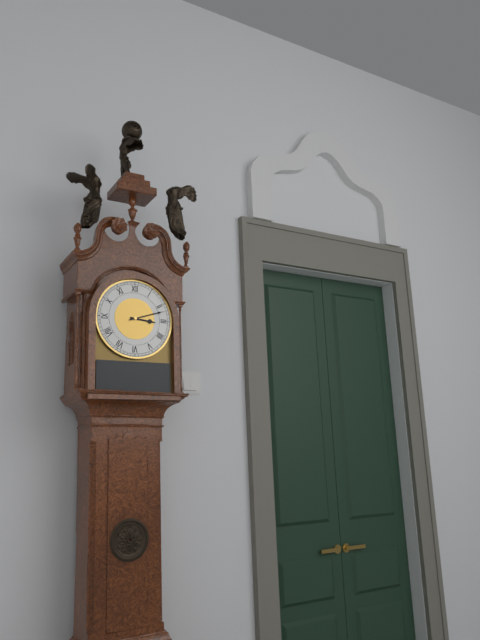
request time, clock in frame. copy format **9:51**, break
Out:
**3:12**
